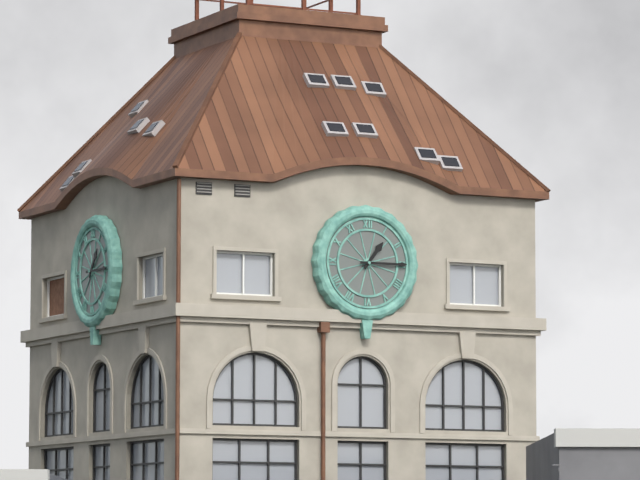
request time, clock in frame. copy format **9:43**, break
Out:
**1:15**
